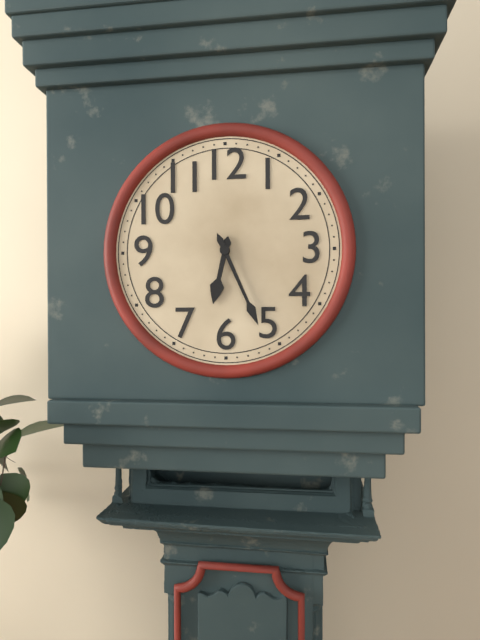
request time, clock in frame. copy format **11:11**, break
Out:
**6:26**
